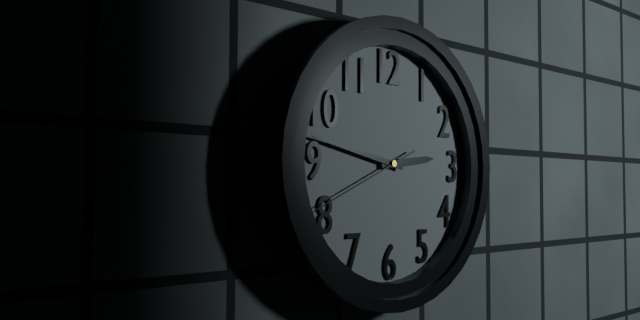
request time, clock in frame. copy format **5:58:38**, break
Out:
**2:47:41**
